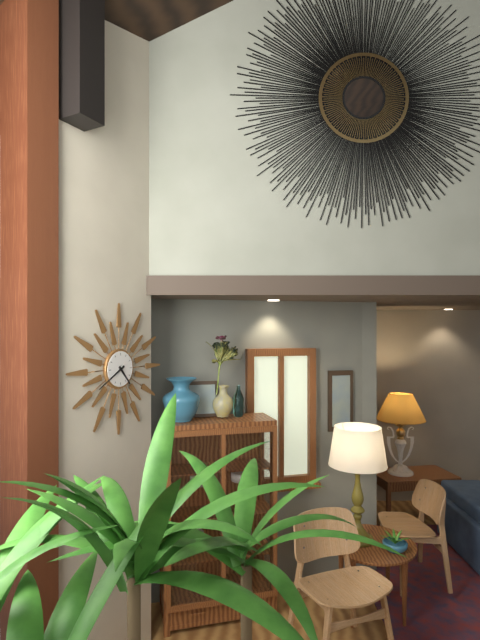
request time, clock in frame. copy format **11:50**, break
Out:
**4:40**
